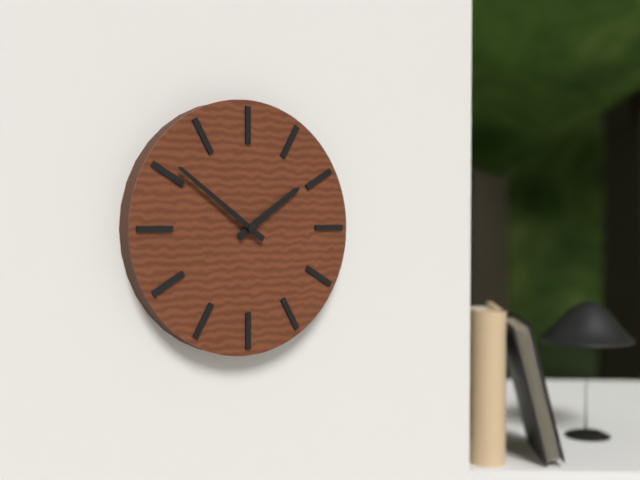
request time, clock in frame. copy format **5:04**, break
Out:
**1:51**
